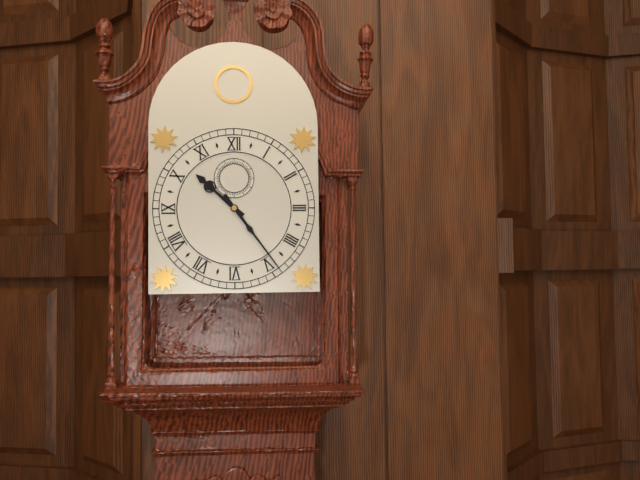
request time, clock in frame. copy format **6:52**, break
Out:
**10:24**
